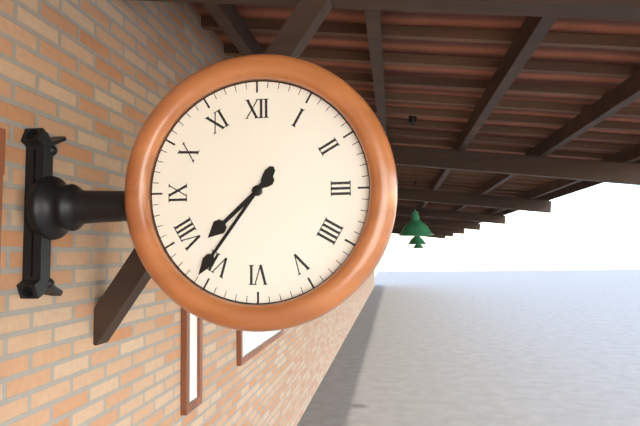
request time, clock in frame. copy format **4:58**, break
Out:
**7:36**
